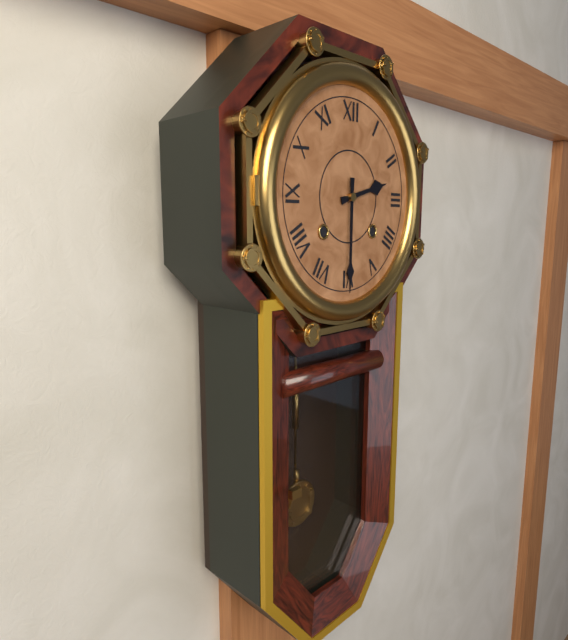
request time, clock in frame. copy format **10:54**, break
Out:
**2:30**
